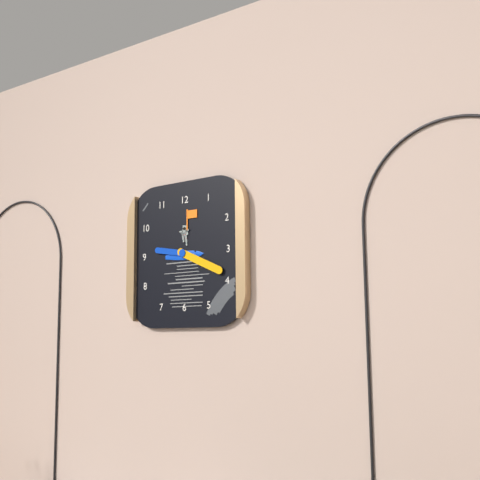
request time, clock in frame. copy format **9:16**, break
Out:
**9:19**
